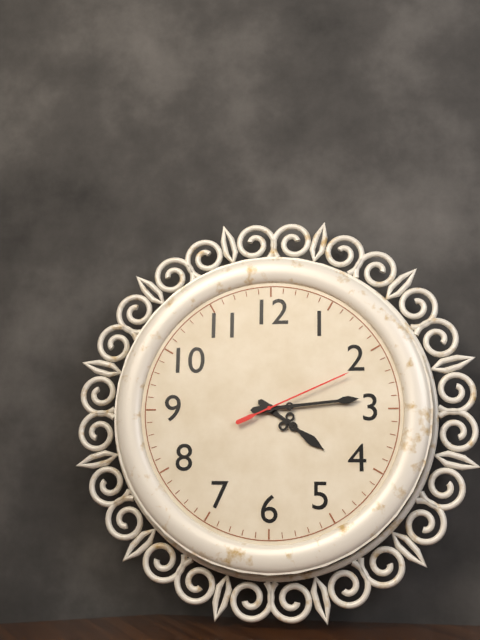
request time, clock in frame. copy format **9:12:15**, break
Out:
**4:14:11**
